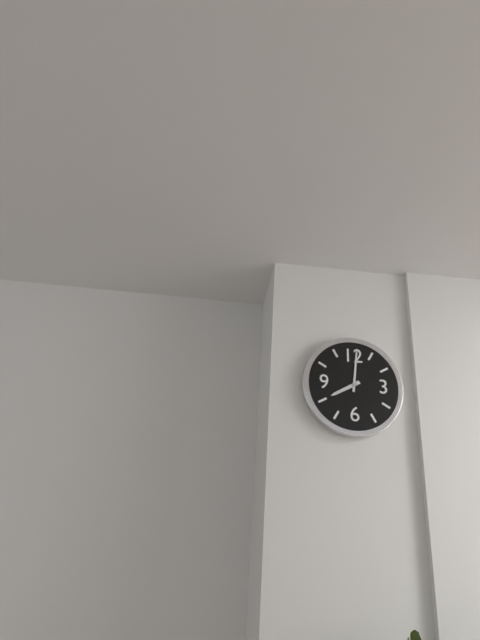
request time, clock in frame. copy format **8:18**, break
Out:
**8:01**
